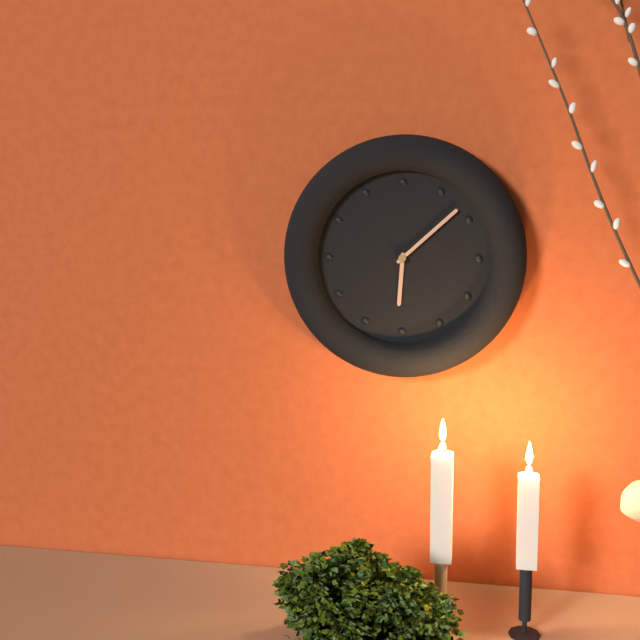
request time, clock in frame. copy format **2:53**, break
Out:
**6:08**
